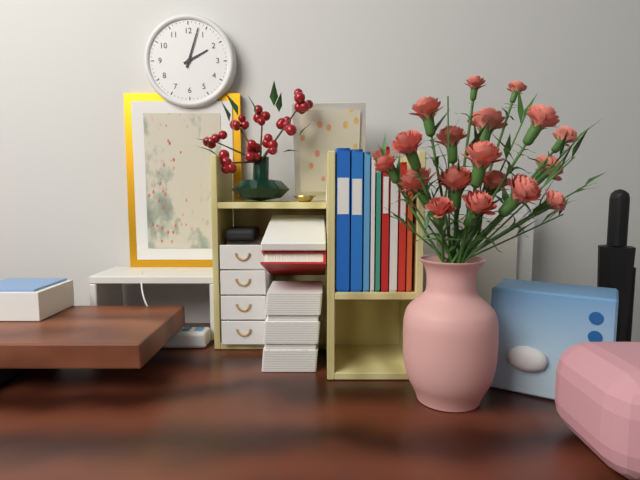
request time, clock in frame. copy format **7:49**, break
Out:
**2:03**
